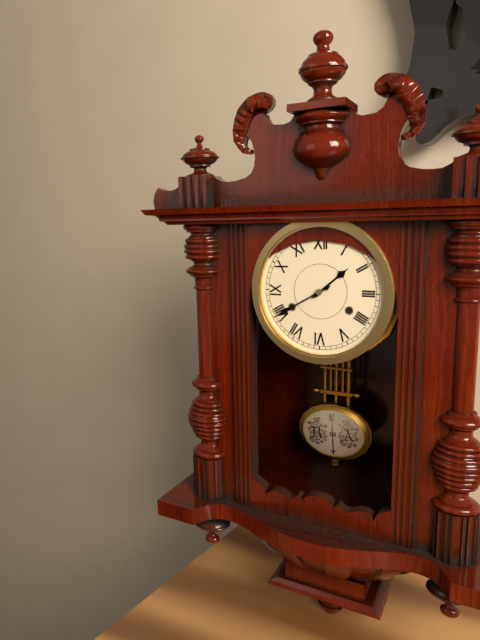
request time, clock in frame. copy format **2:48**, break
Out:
**1:40**
